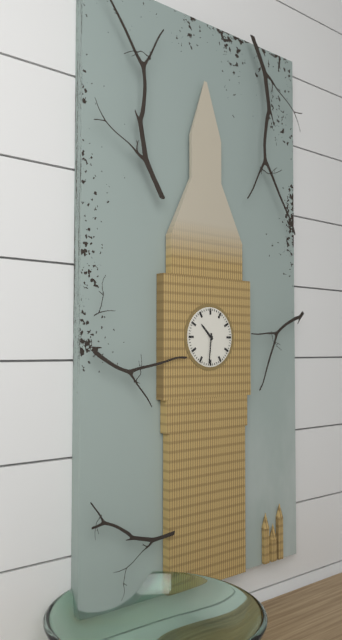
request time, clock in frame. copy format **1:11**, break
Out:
**10:31**
